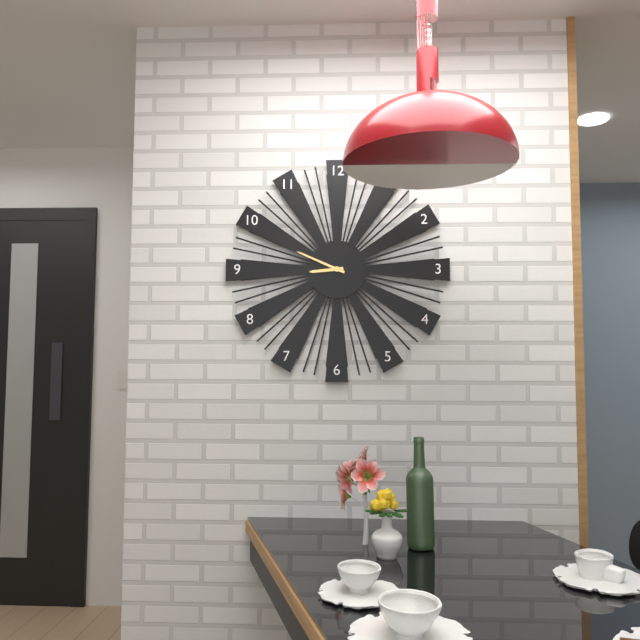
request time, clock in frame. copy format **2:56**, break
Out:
**8:49**
